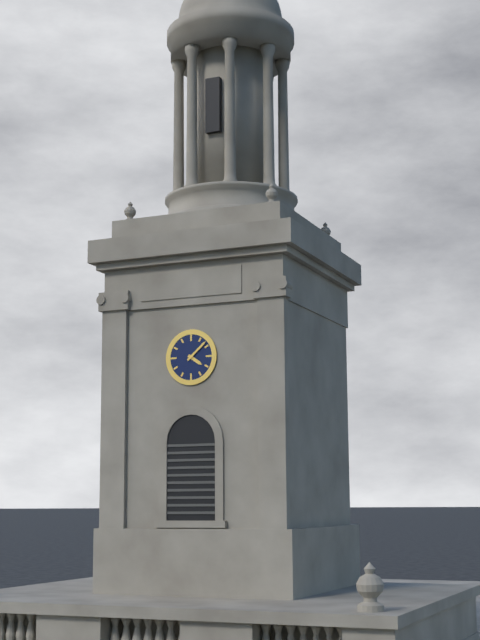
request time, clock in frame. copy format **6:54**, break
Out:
**4:08**
